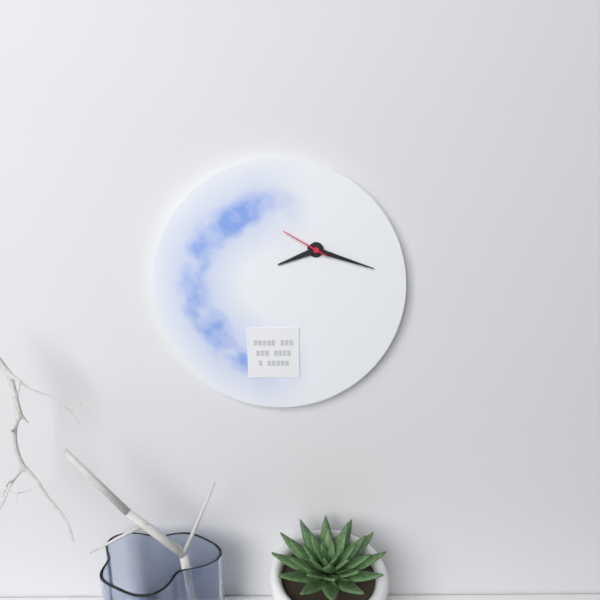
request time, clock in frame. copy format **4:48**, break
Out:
**8:18**
